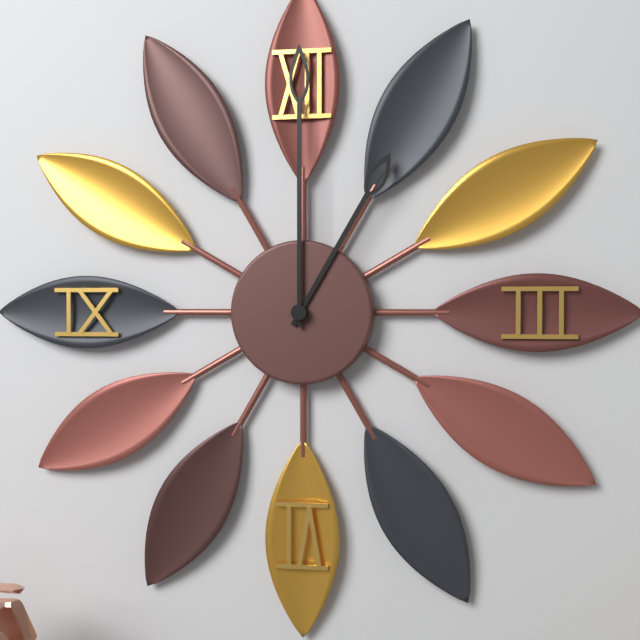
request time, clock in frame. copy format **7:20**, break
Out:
**1:00**
